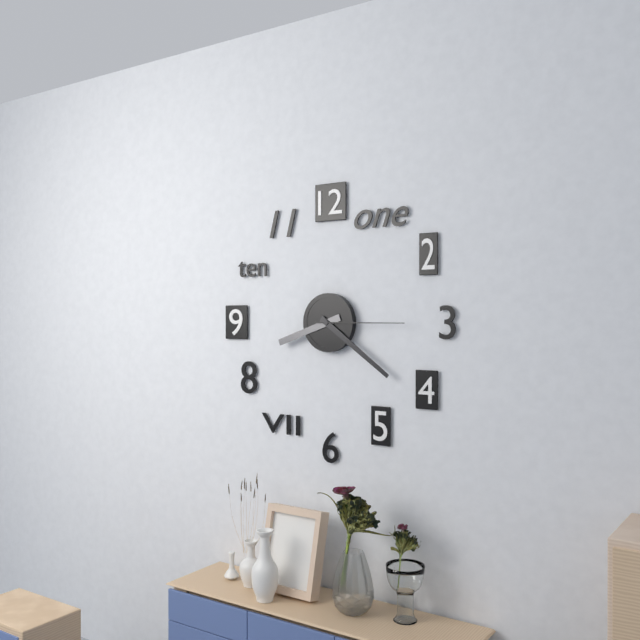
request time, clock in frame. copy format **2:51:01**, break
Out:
**8:21:15**
